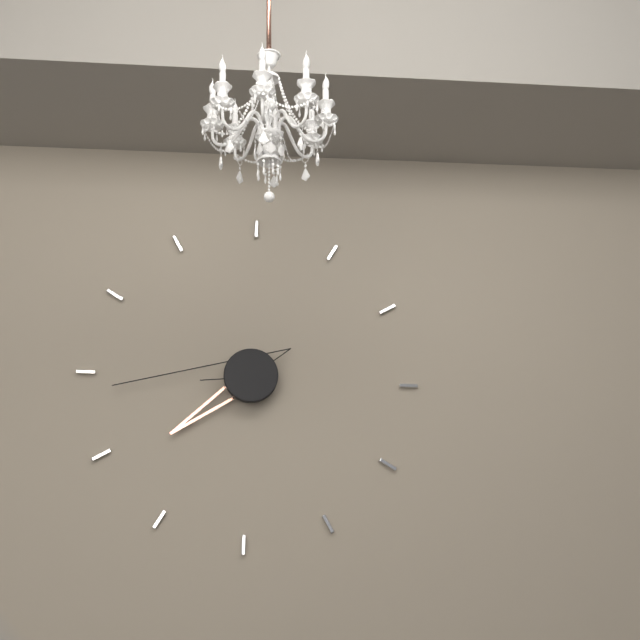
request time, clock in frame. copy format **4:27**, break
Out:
**7:44**
